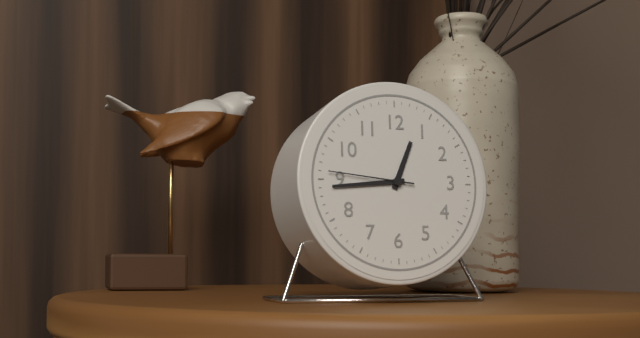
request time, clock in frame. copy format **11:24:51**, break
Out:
**12:44:46**
